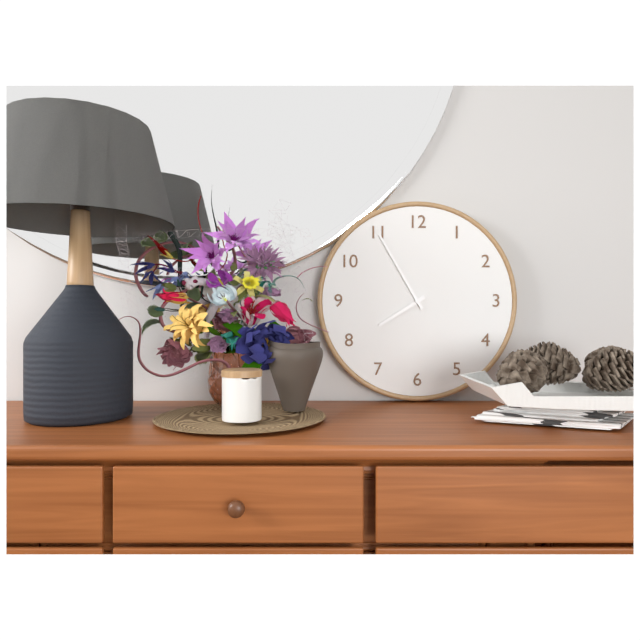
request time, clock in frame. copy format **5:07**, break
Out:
**7:55**
